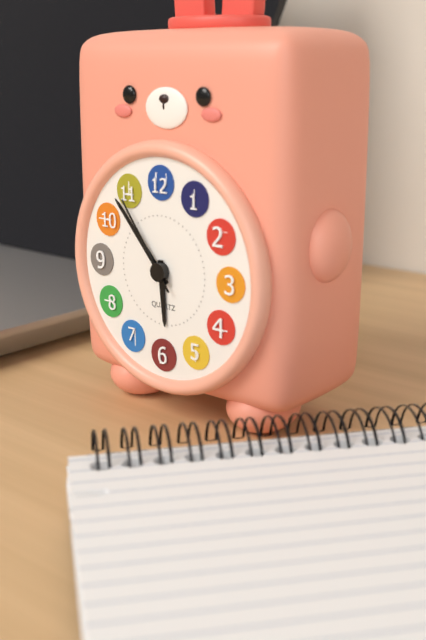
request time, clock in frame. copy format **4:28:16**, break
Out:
**5:53:54**
